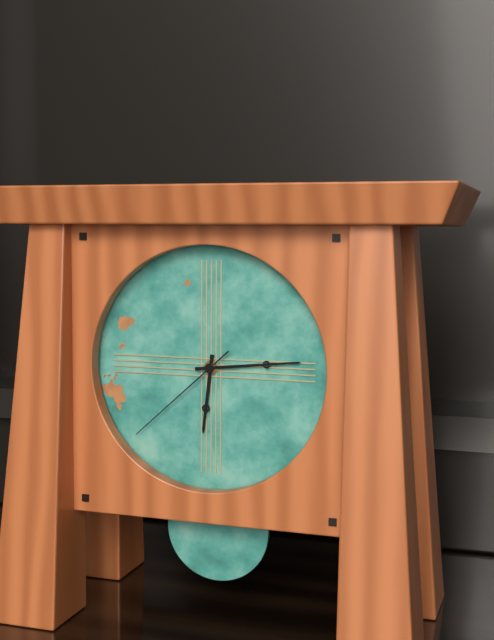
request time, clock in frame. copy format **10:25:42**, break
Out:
**6:14:38**
